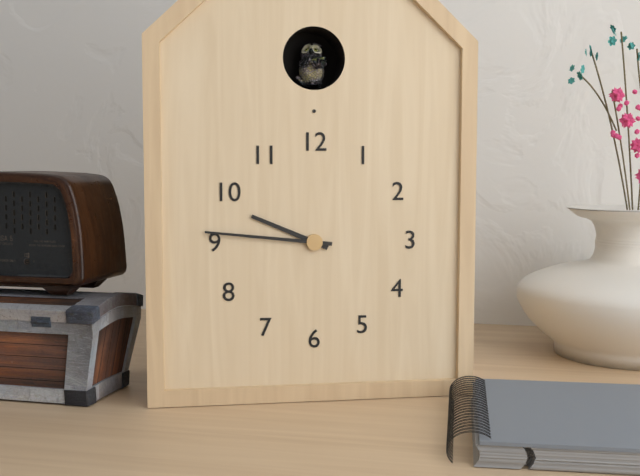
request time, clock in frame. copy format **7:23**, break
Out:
**9:46**
